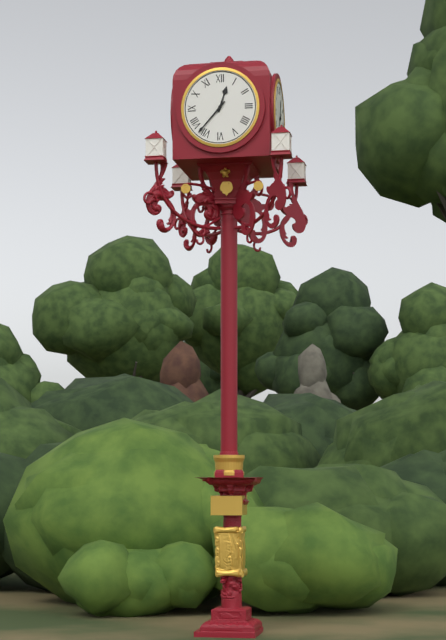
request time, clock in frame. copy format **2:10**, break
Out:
**12:37**
